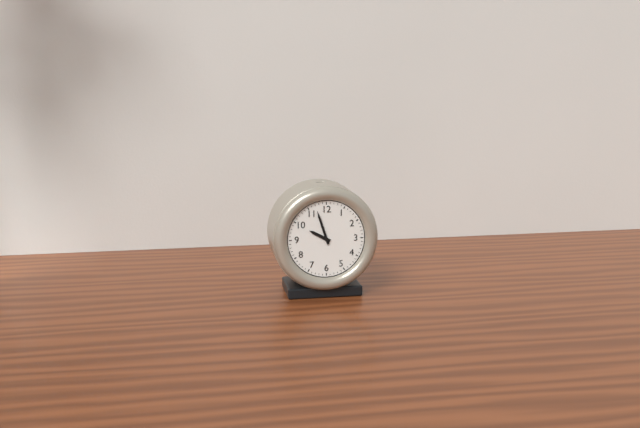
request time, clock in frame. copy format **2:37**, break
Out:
**9:57**
